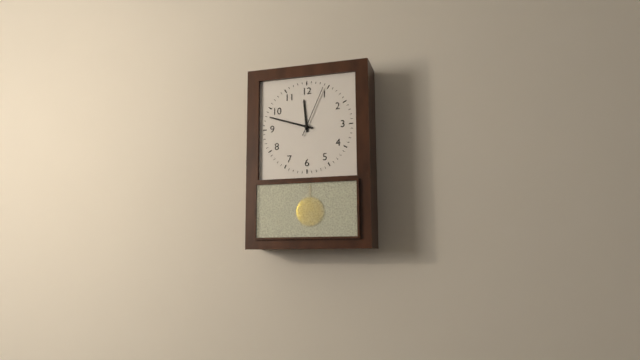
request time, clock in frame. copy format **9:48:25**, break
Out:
**11:48:04**
